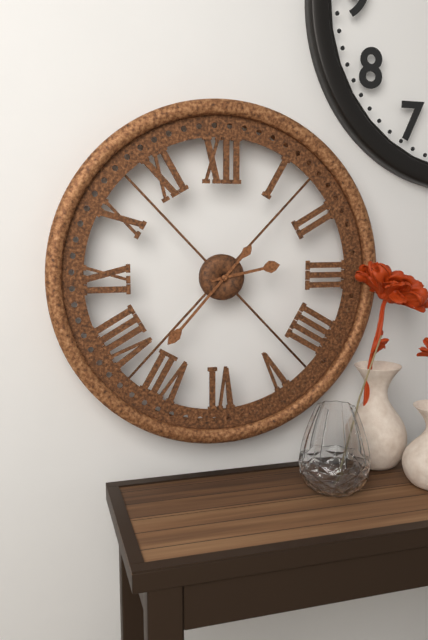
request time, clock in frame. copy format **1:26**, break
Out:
**2:37**
